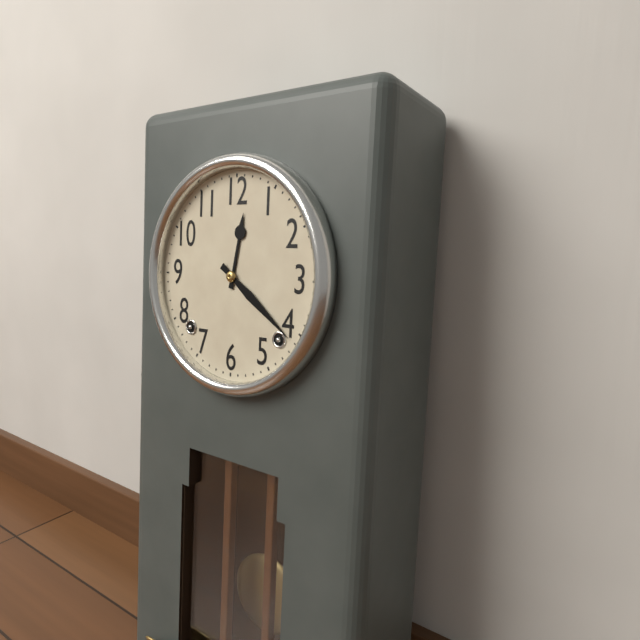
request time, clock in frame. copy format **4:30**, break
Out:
**12:21**
